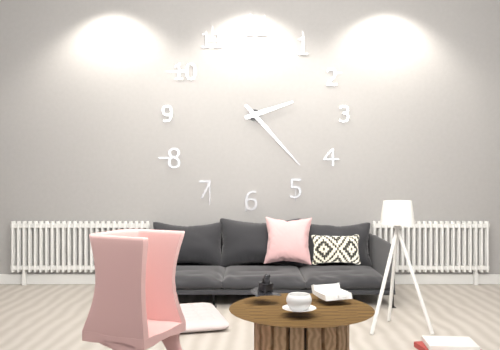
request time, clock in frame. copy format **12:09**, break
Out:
**2:23**
